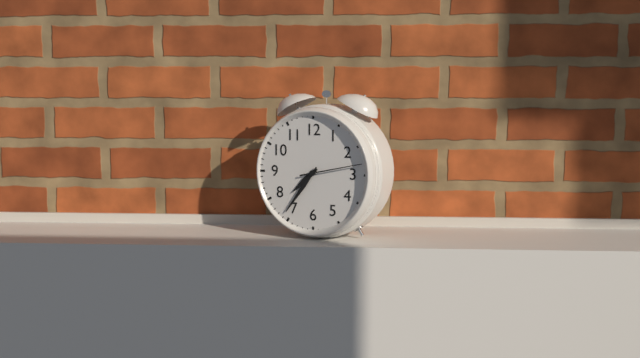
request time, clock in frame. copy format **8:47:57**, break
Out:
**7:36:13**
